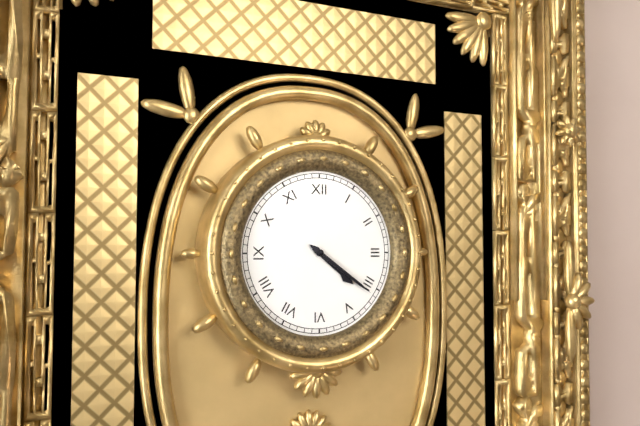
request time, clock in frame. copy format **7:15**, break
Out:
**4:21**
